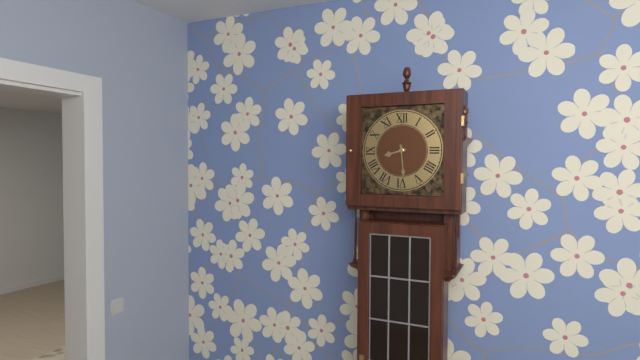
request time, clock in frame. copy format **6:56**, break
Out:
**8:29**
